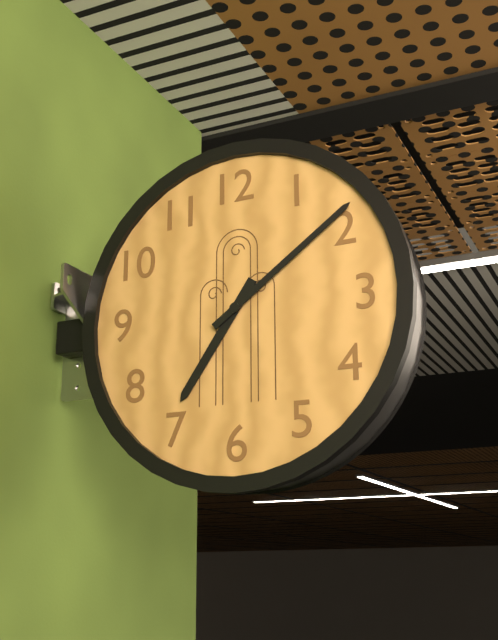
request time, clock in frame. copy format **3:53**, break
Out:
**7:09**
